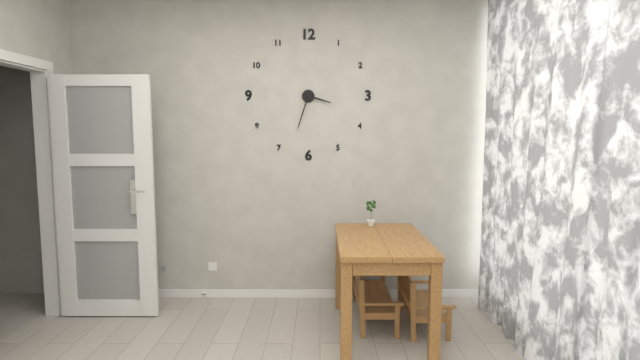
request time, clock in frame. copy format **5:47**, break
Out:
**3:33**
